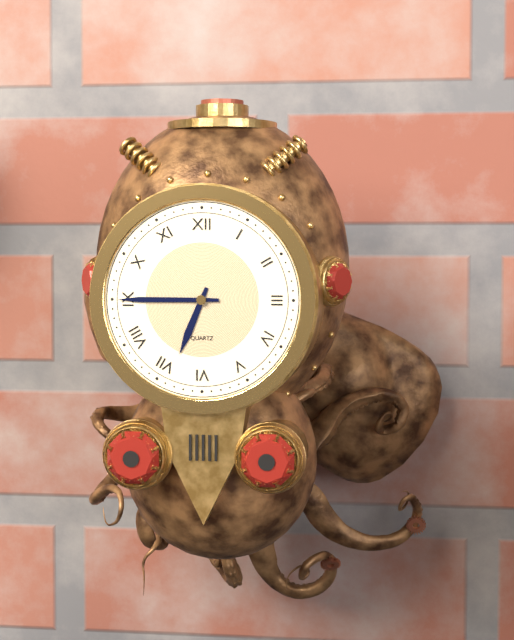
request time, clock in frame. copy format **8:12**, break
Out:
**6:45**
